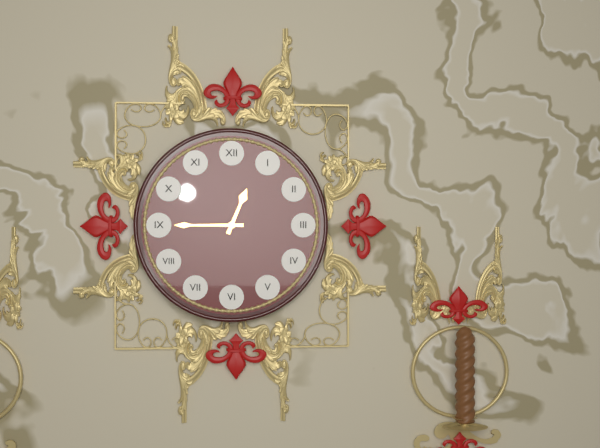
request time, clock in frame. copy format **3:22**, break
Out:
**12:45**
